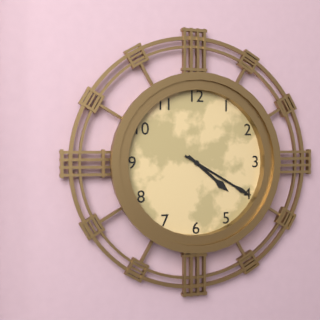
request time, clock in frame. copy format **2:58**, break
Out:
**4:20**
